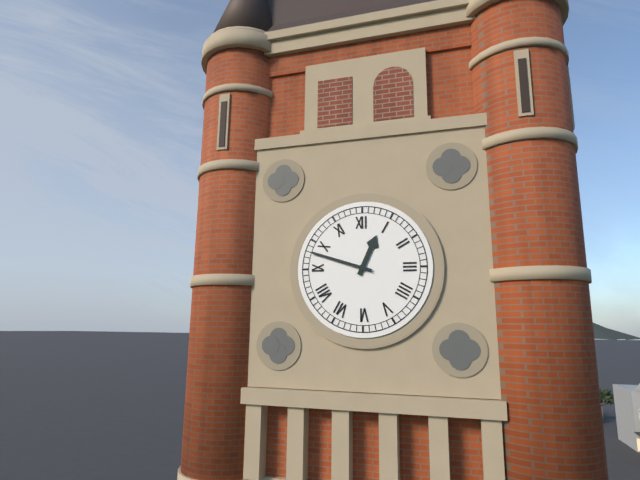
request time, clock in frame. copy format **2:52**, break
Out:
**12:48**
